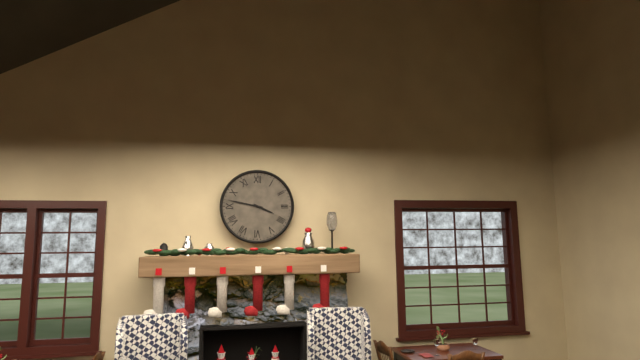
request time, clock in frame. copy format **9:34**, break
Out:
**3:47**
